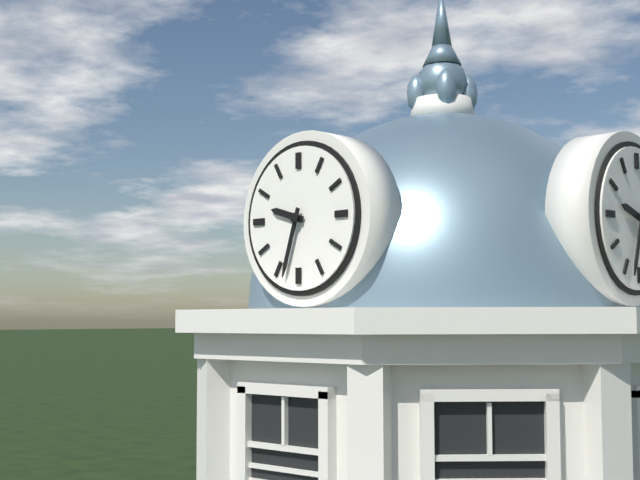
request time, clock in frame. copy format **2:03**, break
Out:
**9:33**
